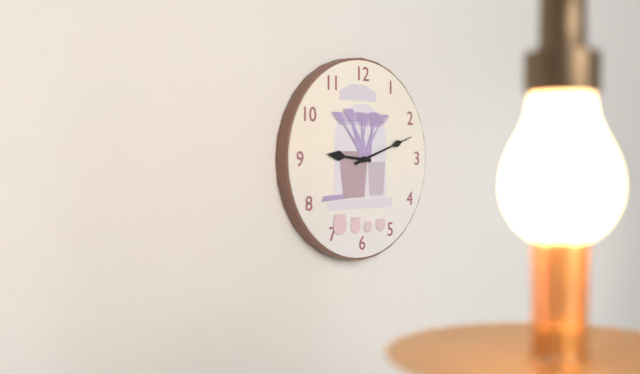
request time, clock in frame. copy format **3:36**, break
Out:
**9:12**
